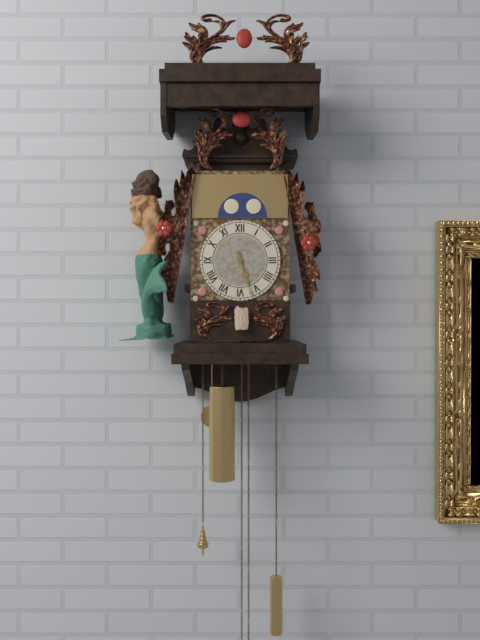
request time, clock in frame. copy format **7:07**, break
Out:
**5:27**
